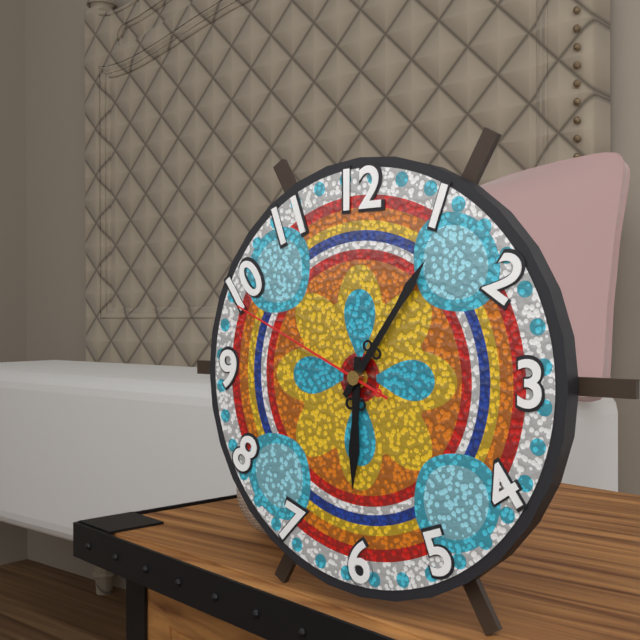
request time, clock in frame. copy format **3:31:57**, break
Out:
**6:06:49**
